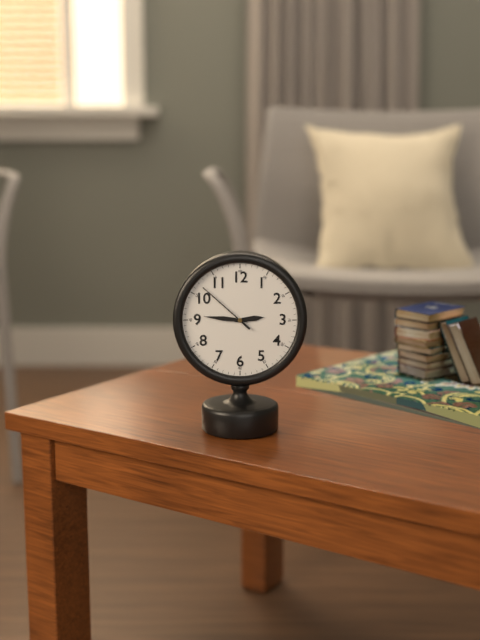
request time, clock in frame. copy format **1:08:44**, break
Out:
**2:46:52**
